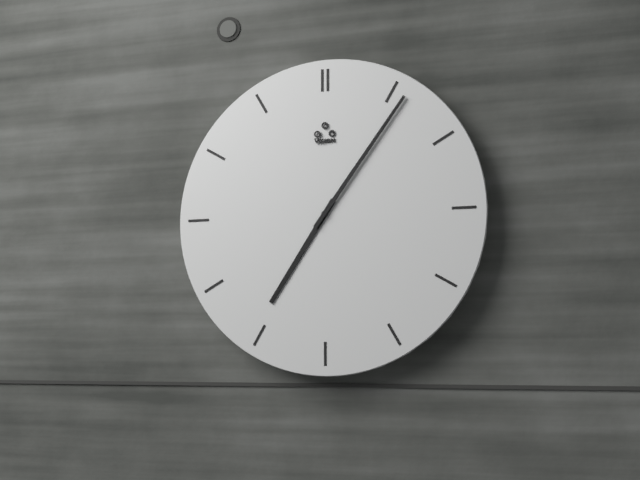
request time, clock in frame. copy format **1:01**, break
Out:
**7:06**
